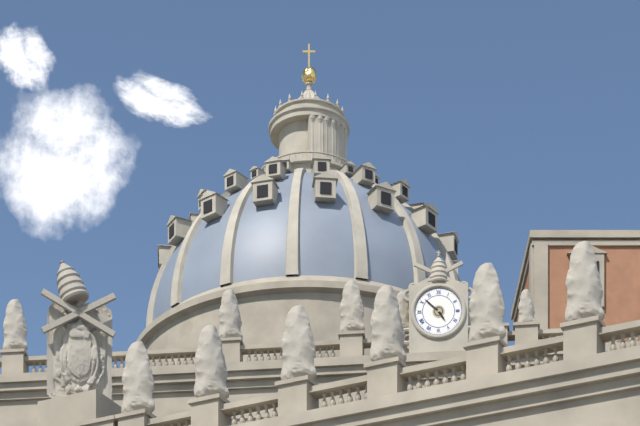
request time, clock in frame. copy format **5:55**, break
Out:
**4:52**
